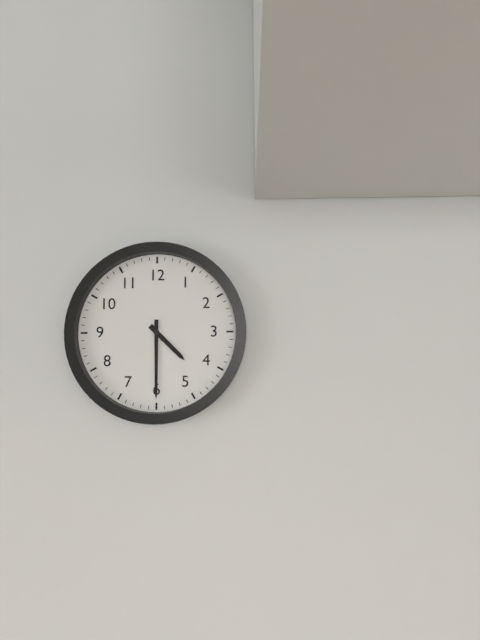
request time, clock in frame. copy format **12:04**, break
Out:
**4:30**
